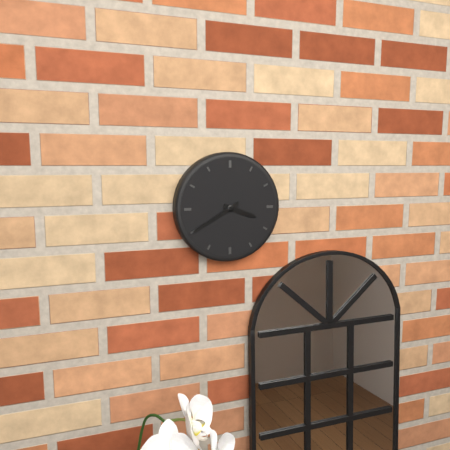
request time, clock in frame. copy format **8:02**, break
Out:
**3:40**
